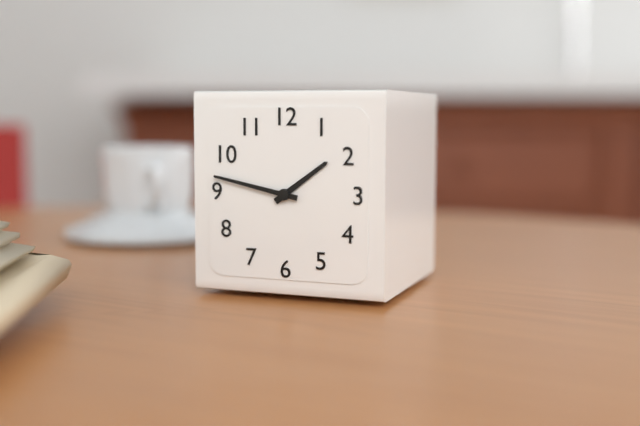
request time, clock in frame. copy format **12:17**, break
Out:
**1:47**
